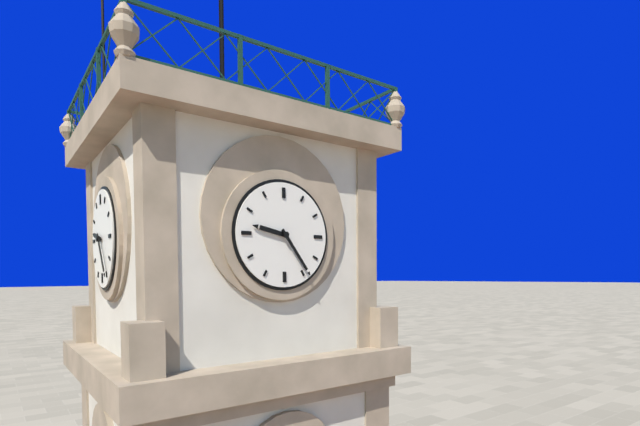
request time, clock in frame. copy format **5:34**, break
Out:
**9:24**
